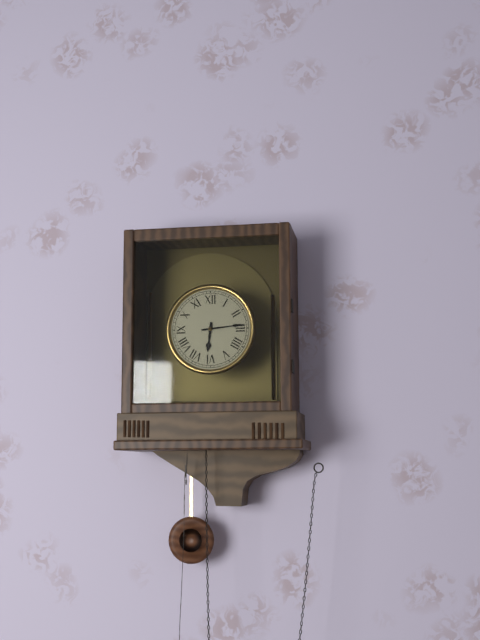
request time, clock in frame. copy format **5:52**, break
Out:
**6:14**
